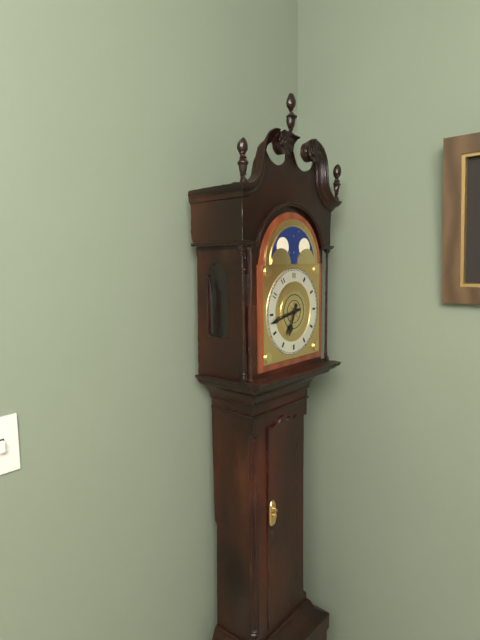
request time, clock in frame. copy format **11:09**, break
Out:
**6:43**
